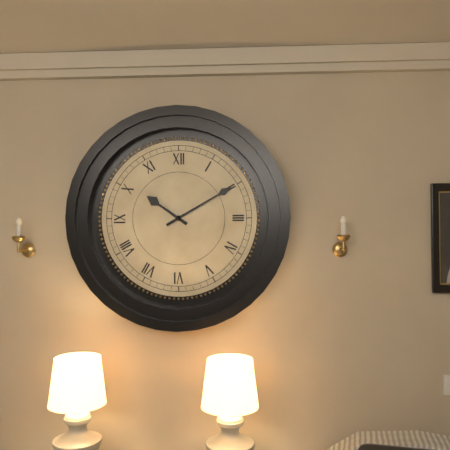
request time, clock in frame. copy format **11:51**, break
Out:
**10:10**
